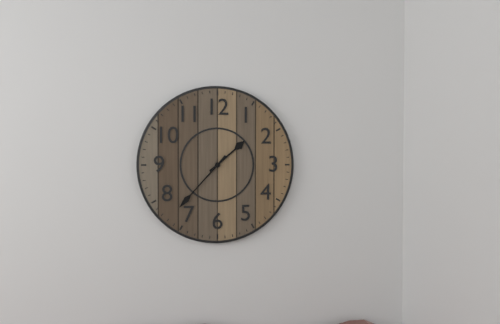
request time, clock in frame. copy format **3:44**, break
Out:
**1:37**
